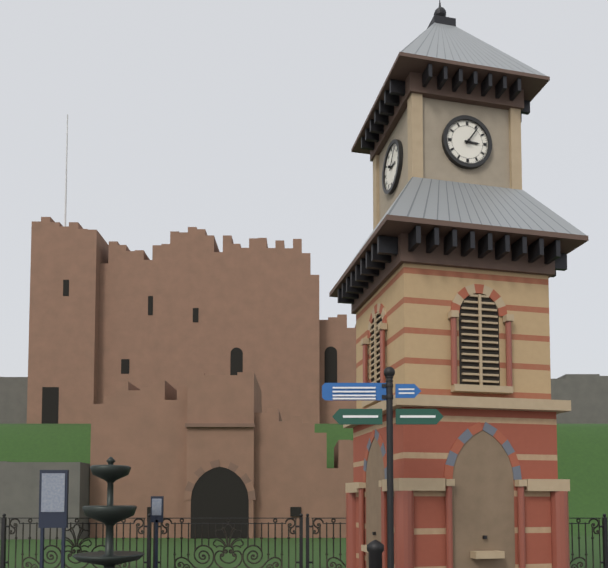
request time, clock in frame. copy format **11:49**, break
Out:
**3:06**
